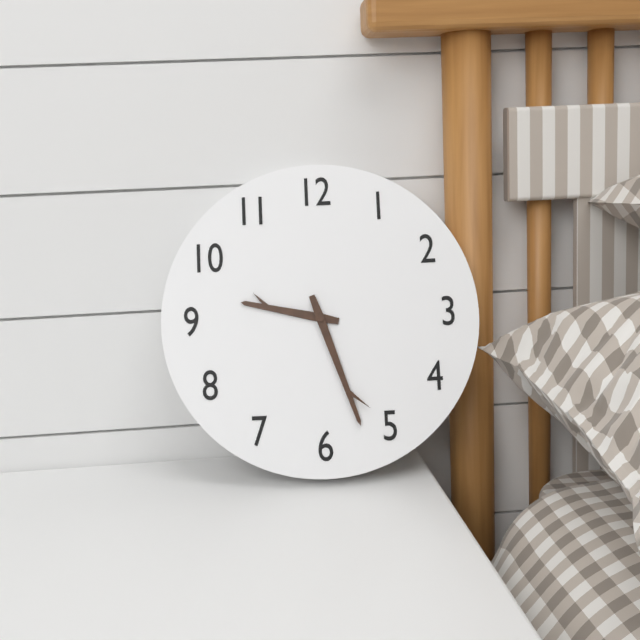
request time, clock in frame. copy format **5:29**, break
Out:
**9:27**
